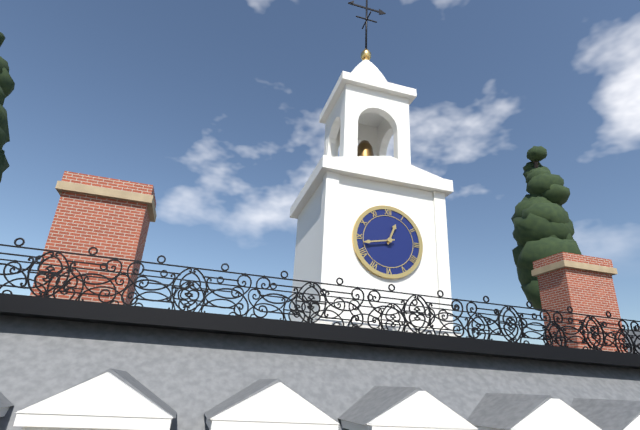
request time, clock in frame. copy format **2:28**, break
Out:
**12:43**
